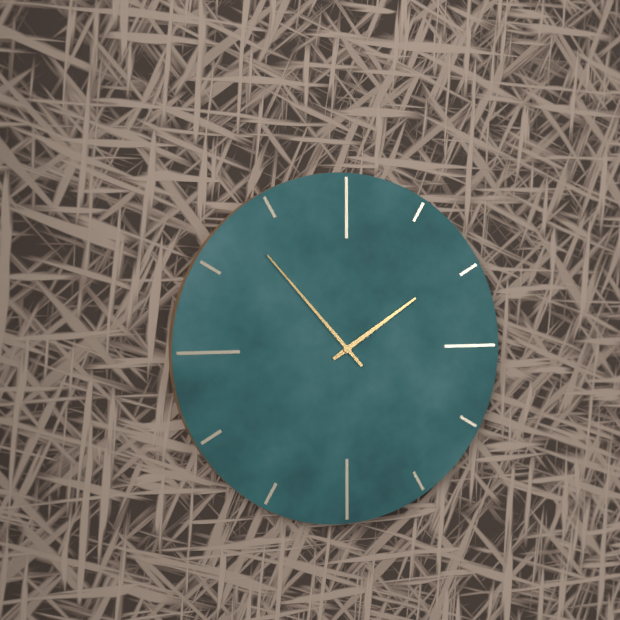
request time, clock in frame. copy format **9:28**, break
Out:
**1:53**
